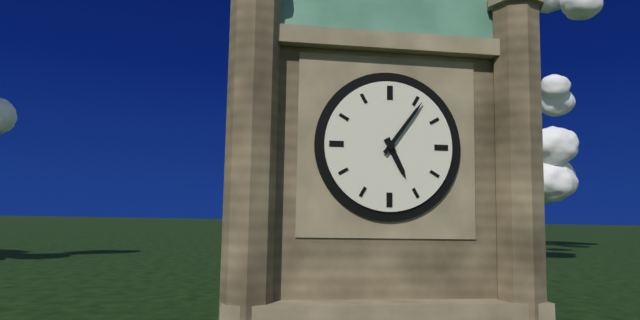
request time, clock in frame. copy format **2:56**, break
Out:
**5:06**
